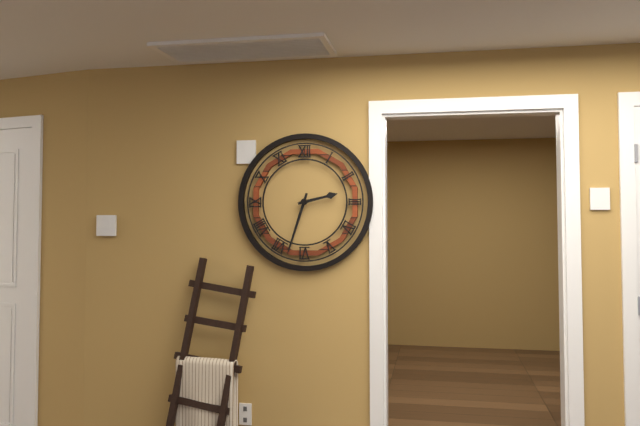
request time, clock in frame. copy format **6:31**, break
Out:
**2:33**
